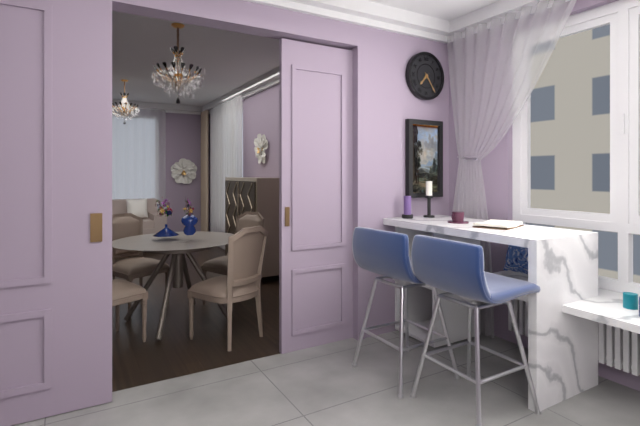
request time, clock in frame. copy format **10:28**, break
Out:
**7:24**
